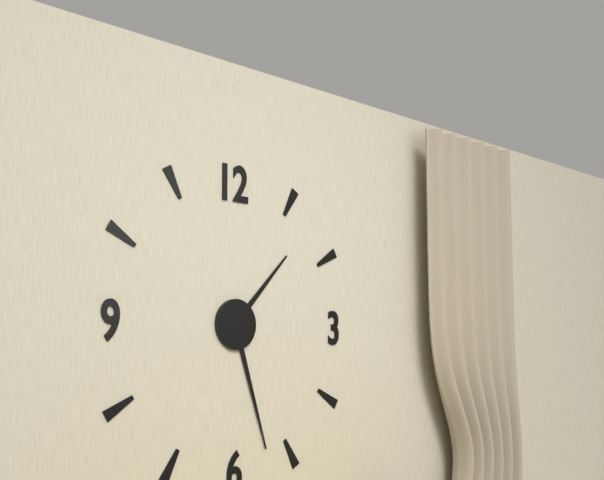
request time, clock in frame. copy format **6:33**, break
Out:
**1:27**
